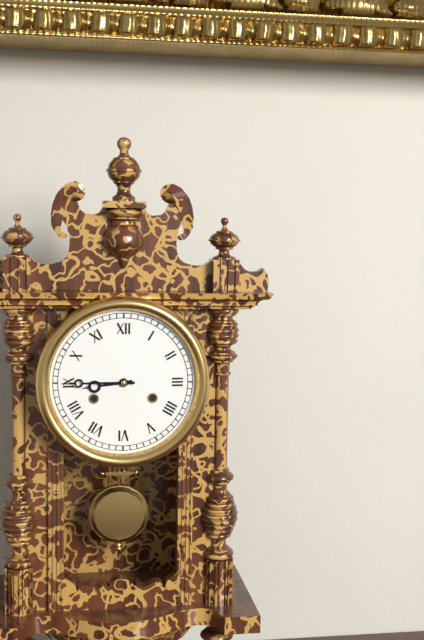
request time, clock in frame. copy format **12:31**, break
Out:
**8:45**
